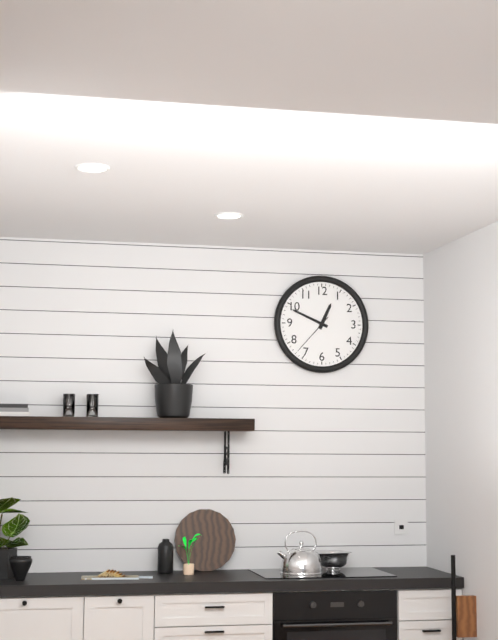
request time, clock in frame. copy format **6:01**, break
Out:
**12:49**
